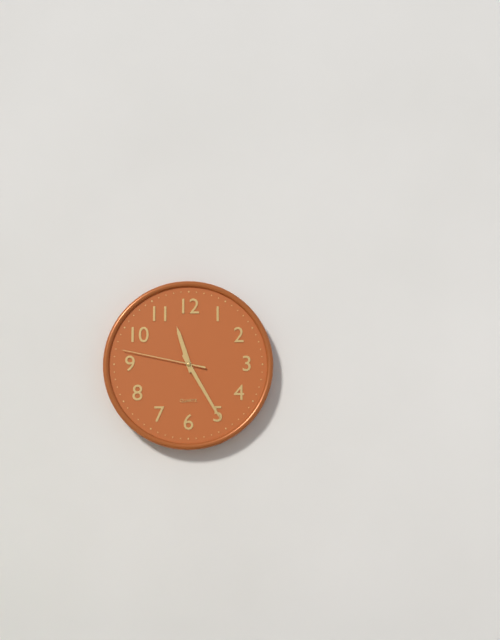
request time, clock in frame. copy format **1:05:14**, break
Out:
**11:25:47**
